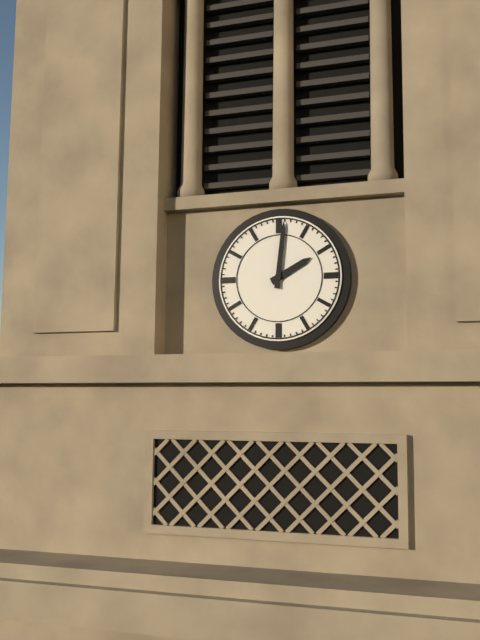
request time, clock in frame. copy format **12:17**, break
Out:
**2:01**
